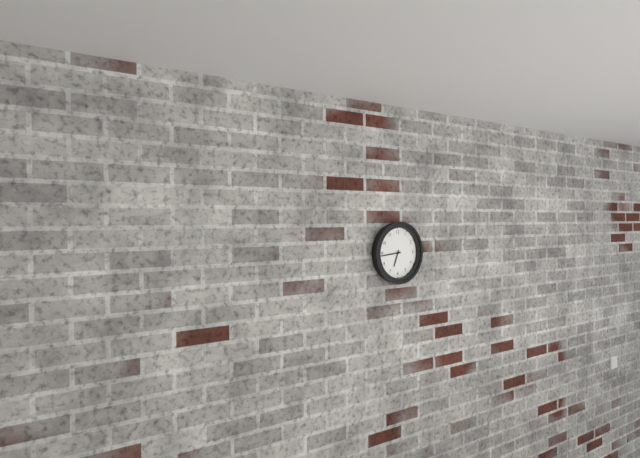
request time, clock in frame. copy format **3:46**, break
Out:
**6:44**
